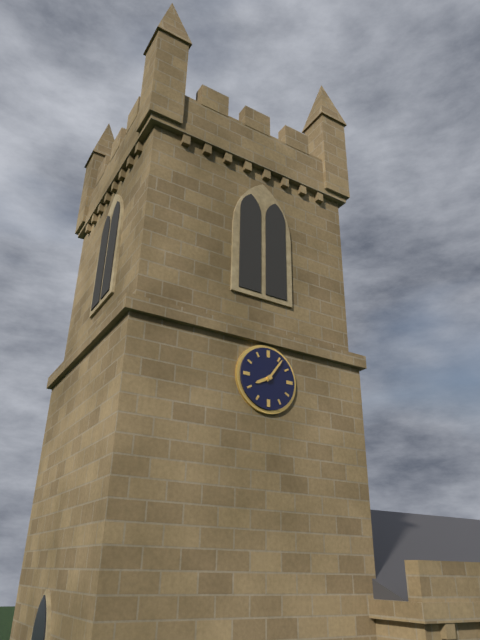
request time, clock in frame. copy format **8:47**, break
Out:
**8:06**
